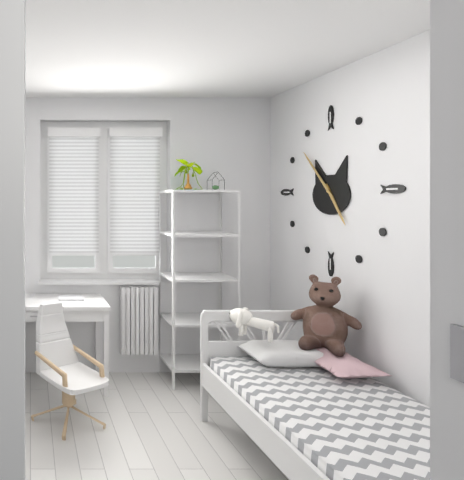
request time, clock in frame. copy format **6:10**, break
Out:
**4:53**
